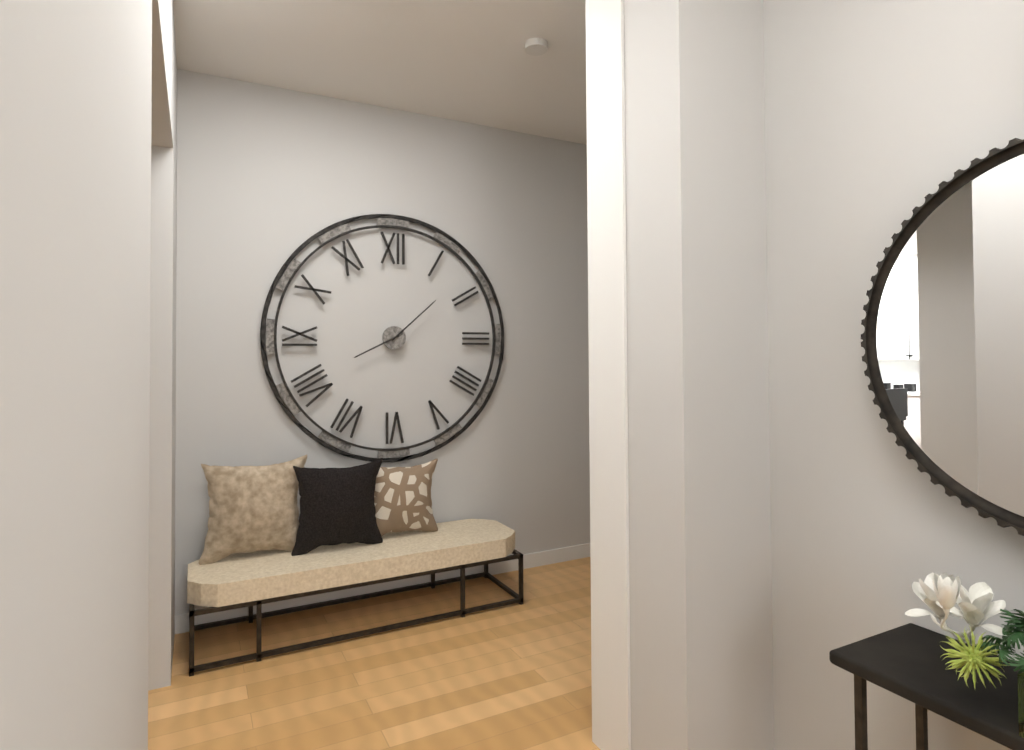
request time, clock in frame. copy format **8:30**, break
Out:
**8:08**
